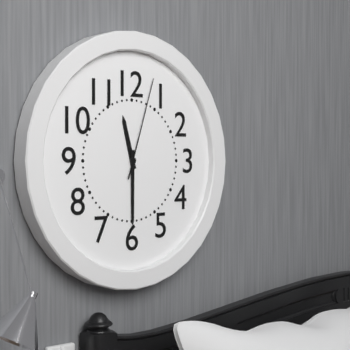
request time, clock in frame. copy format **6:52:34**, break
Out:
**11:30:03**
